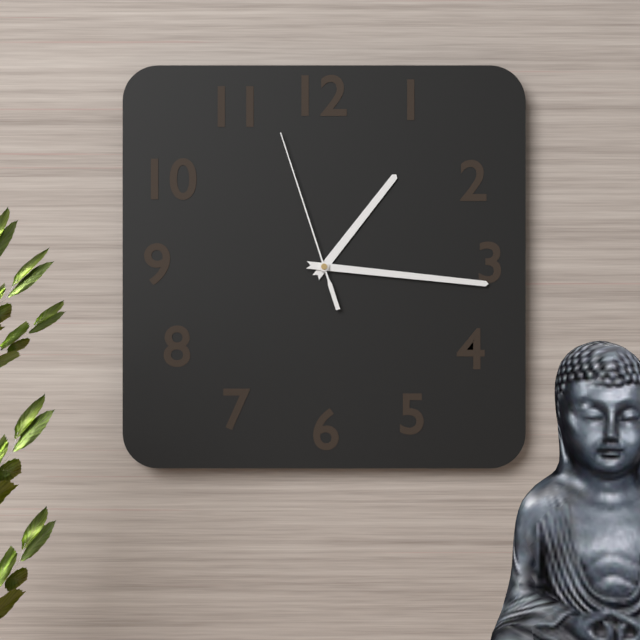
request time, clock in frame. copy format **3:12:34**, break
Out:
**1:16:57**
